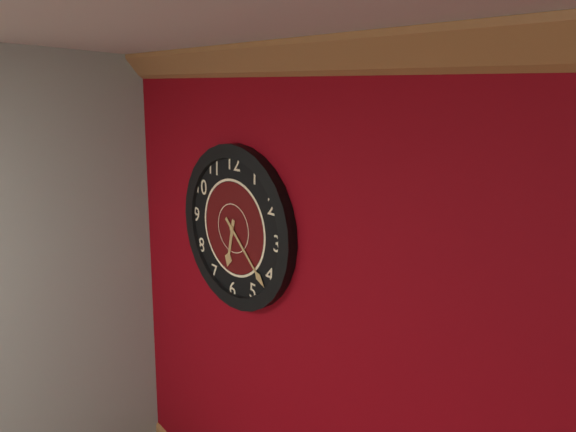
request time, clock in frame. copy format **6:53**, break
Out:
**6:22**
